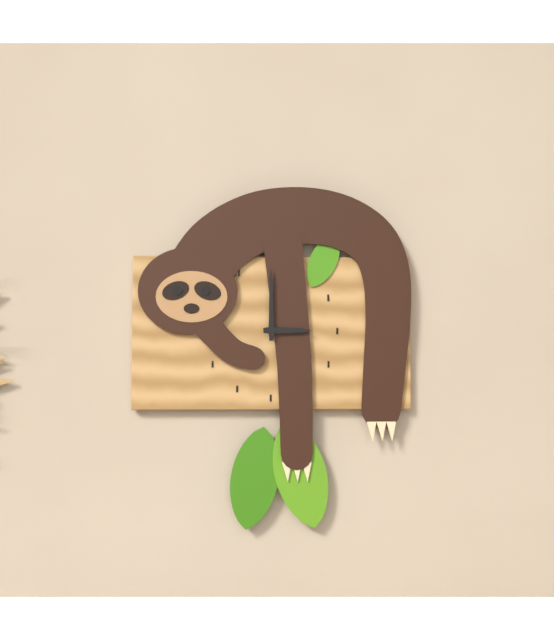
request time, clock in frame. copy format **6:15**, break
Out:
**3:00**
